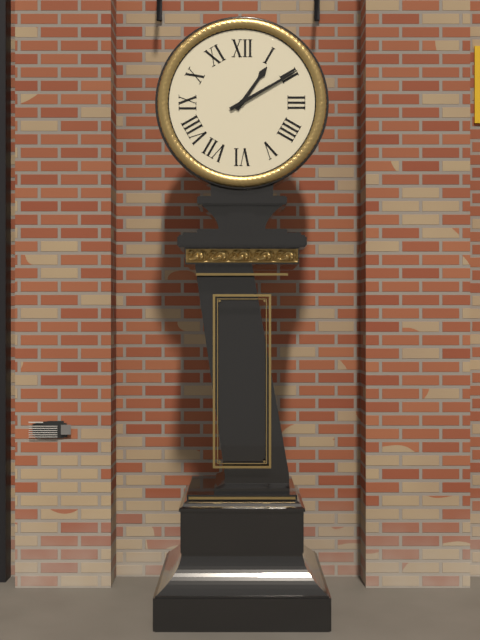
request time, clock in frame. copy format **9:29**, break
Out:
**1:10**
